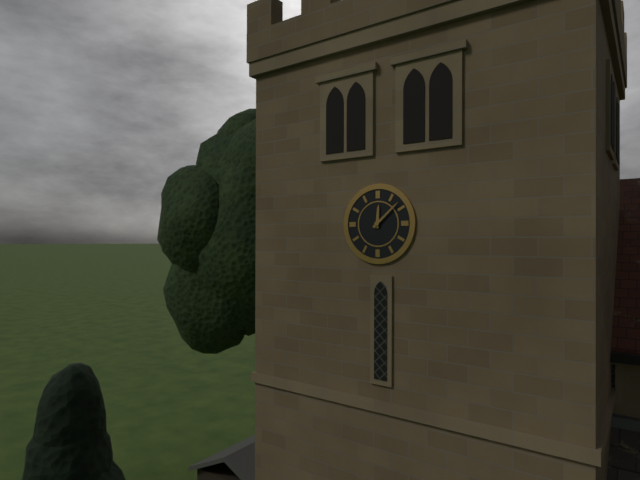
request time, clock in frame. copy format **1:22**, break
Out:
**12:08**
